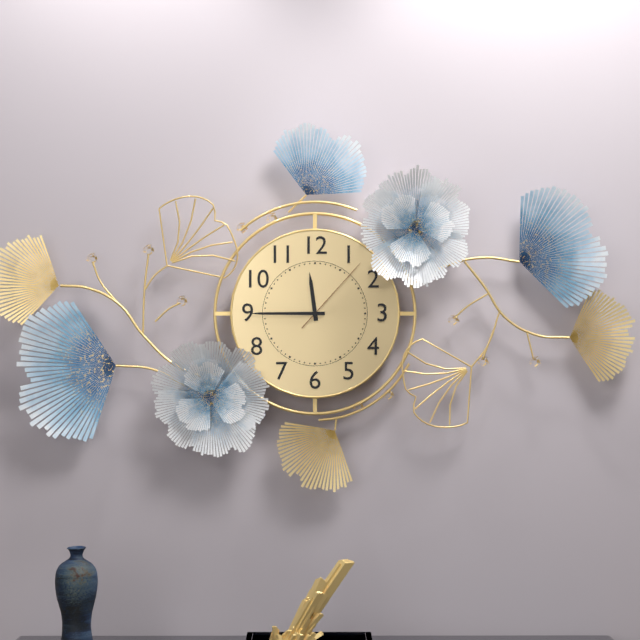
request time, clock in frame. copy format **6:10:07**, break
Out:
**11:45:07**
